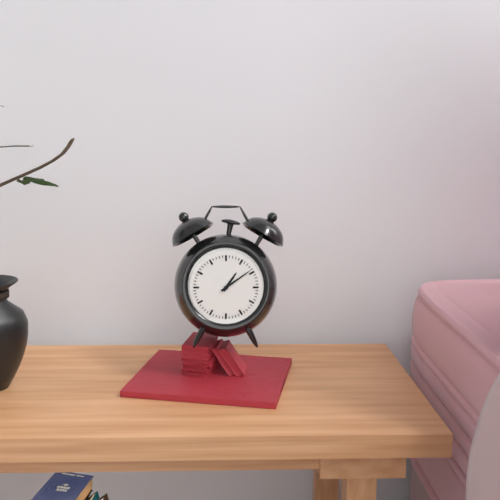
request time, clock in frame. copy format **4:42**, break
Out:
**1:09**
